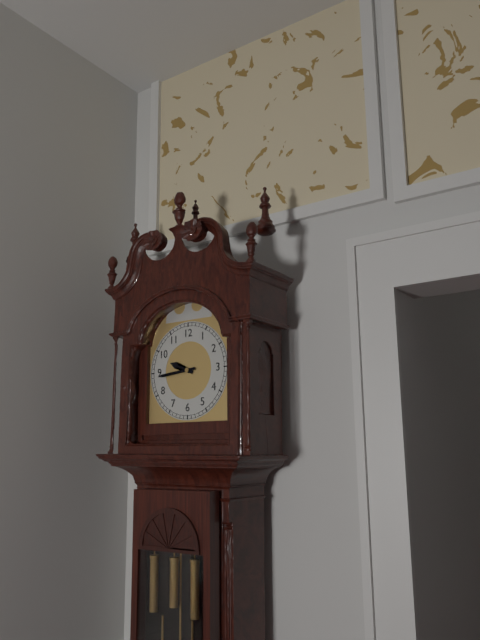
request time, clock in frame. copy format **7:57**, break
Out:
**9:44**
